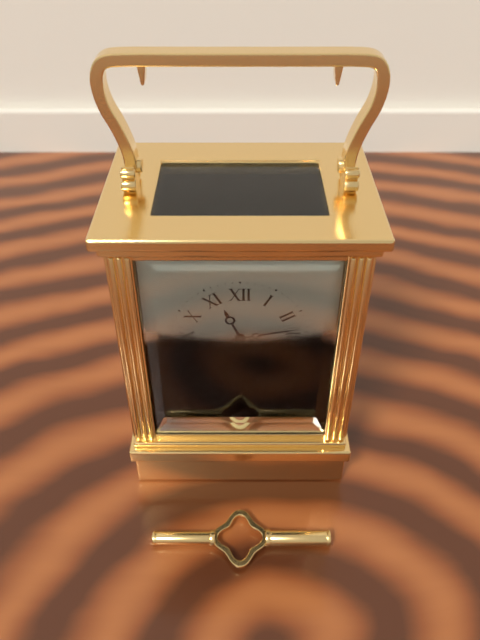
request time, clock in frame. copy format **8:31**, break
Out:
**11:13**
